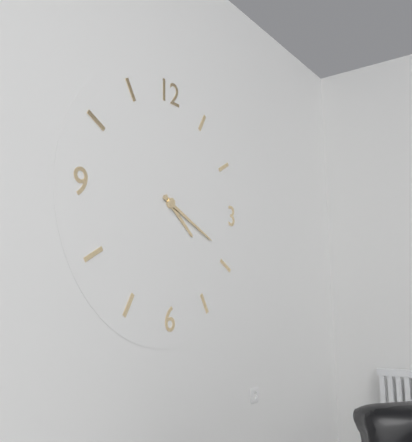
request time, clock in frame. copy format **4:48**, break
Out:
**4:19**
